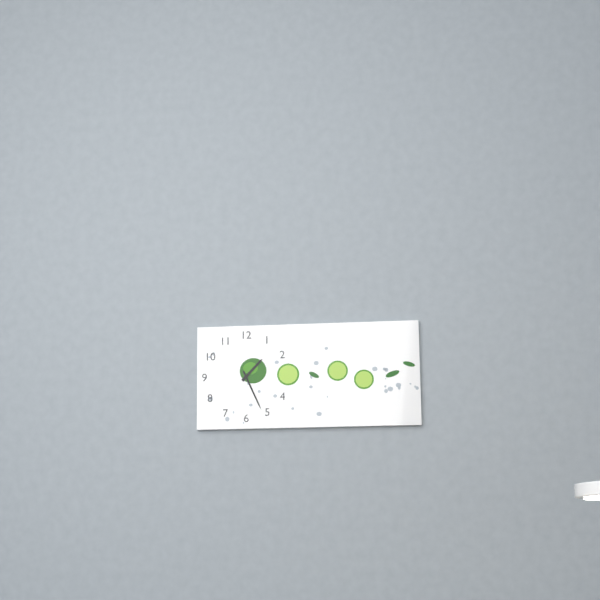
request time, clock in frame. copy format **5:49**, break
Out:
**1:26**
